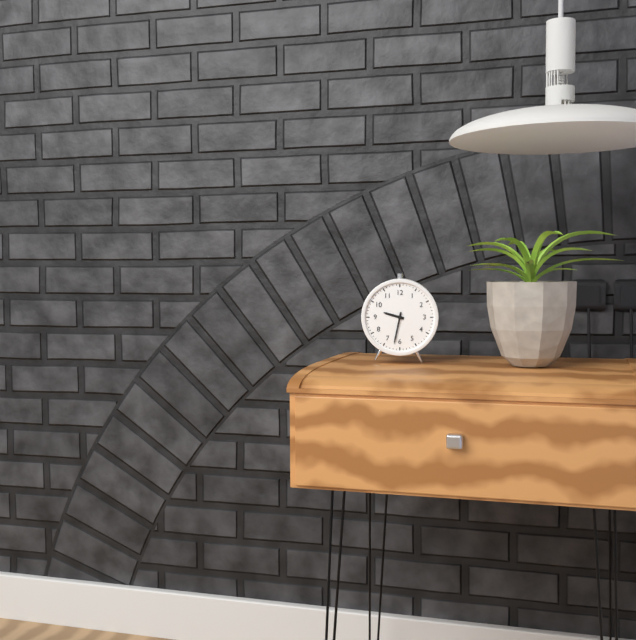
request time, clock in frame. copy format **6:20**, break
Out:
**9:32**
